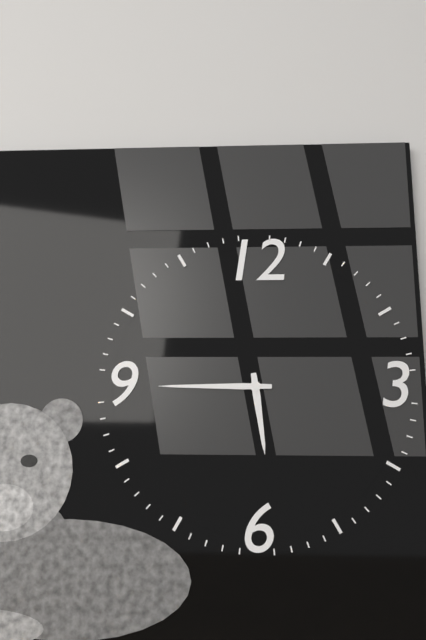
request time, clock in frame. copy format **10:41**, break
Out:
**5:45**
